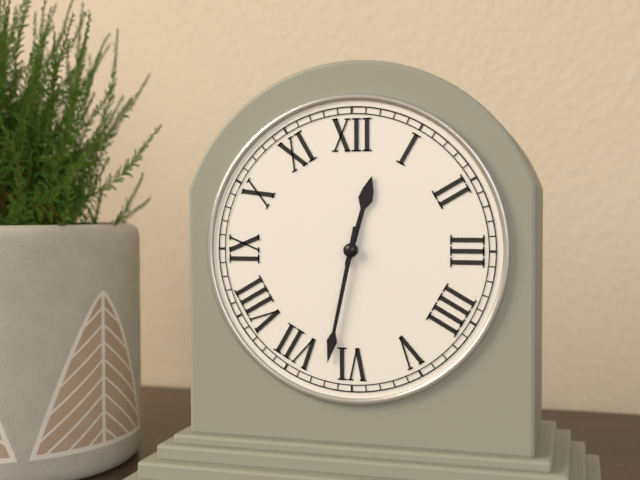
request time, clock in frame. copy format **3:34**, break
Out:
**12:32**
